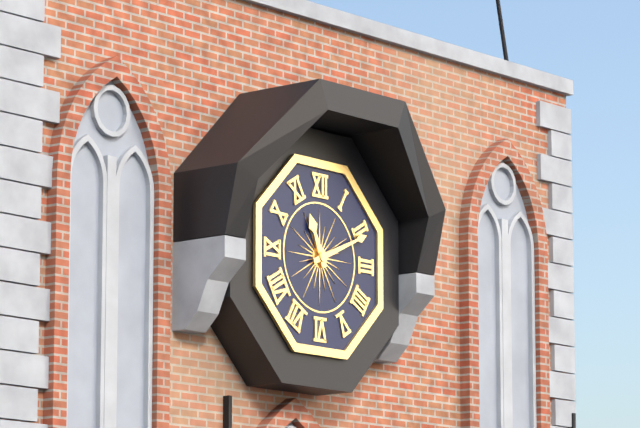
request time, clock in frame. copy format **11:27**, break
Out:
**11:11**
